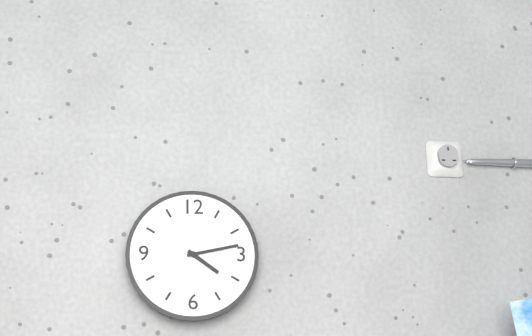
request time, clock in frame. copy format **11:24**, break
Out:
**4:13**
